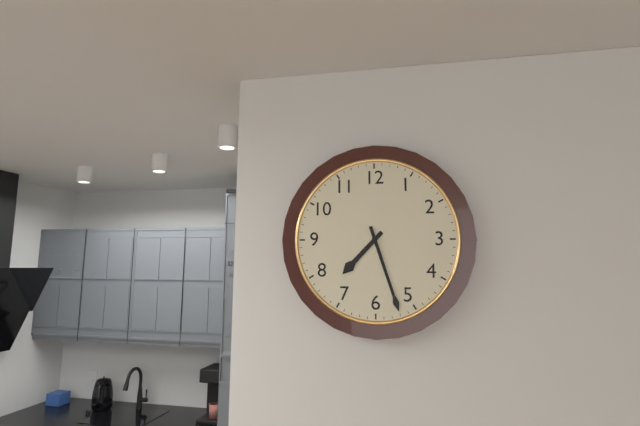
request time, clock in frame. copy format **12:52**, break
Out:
**7:27**
